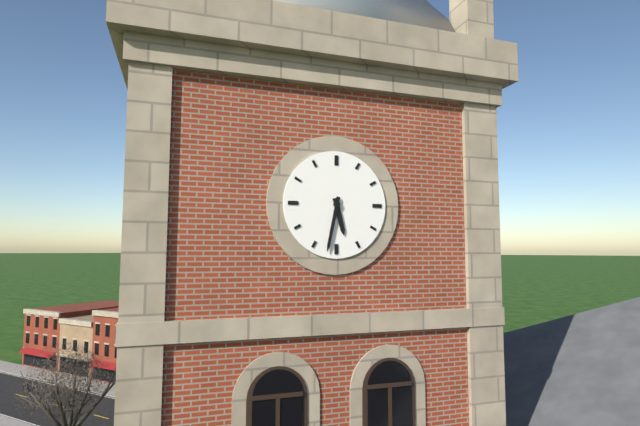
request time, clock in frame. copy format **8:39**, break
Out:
**5:32**
